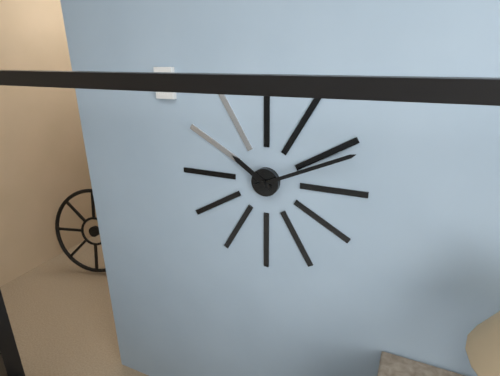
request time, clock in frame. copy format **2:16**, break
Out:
**10:11**
